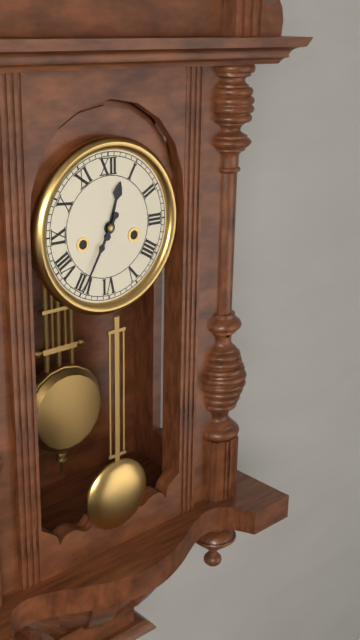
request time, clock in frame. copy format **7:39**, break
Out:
**12:35**
